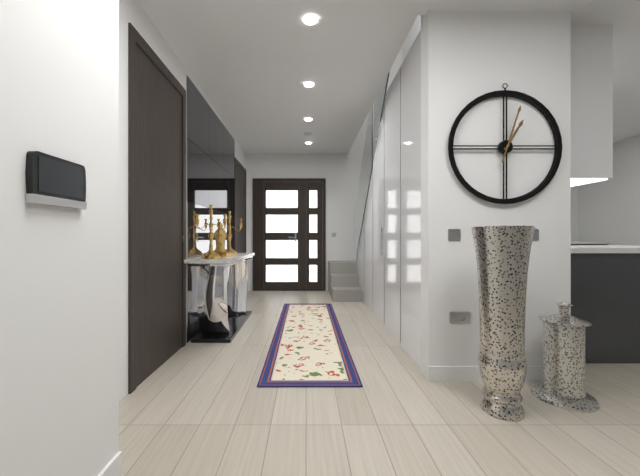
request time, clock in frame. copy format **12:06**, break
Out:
**1:03**
